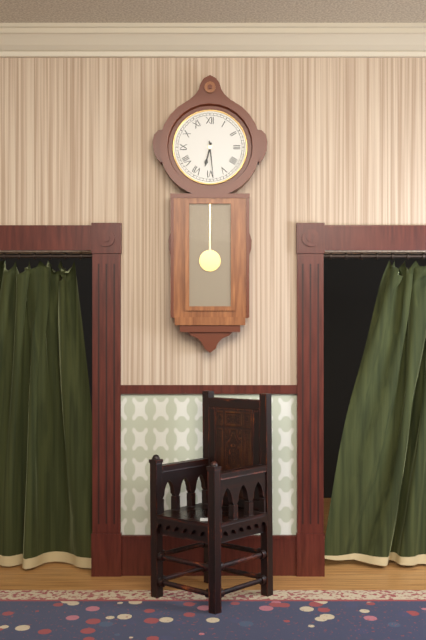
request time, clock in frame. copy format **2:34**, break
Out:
**6:29**
